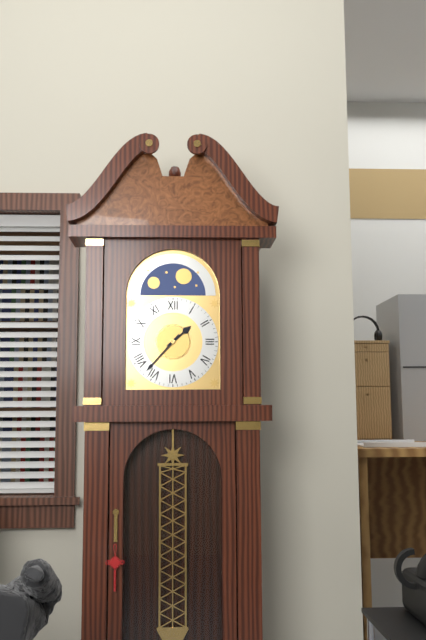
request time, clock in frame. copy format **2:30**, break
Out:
**1:37**
